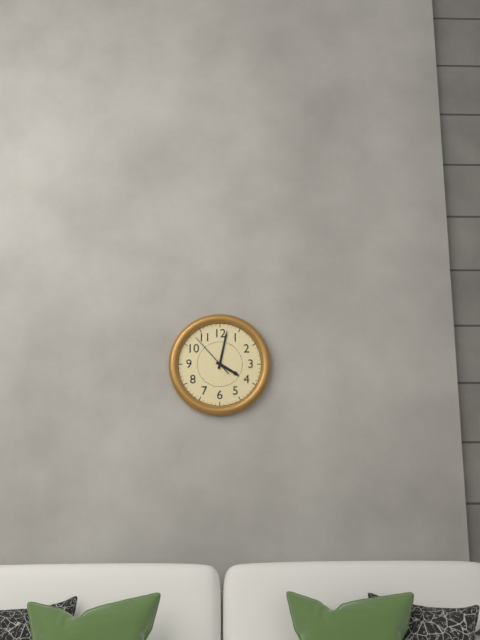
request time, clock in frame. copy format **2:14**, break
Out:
**4:02**
